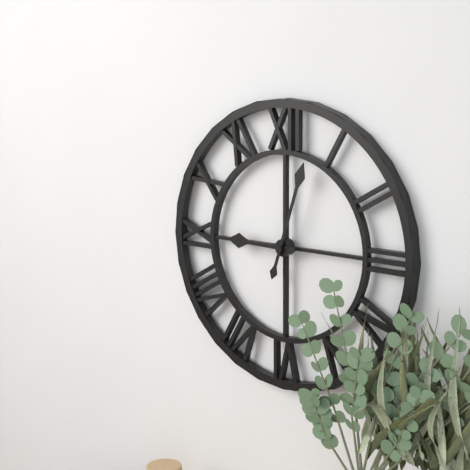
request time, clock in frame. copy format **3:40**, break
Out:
**9:03**
